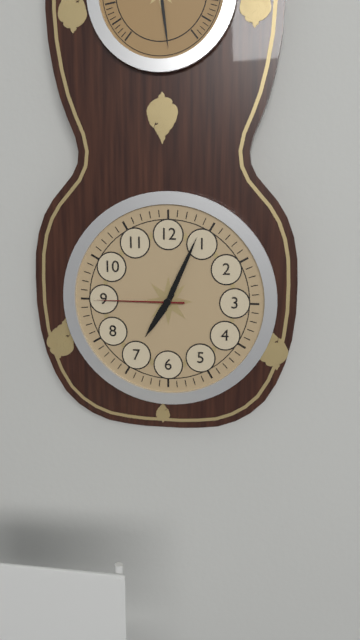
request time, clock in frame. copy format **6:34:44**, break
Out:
**7:04:45**
